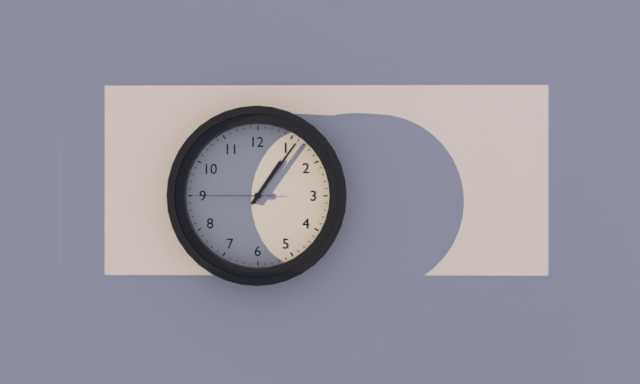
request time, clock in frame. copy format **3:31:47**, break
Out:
**1:06:45**
